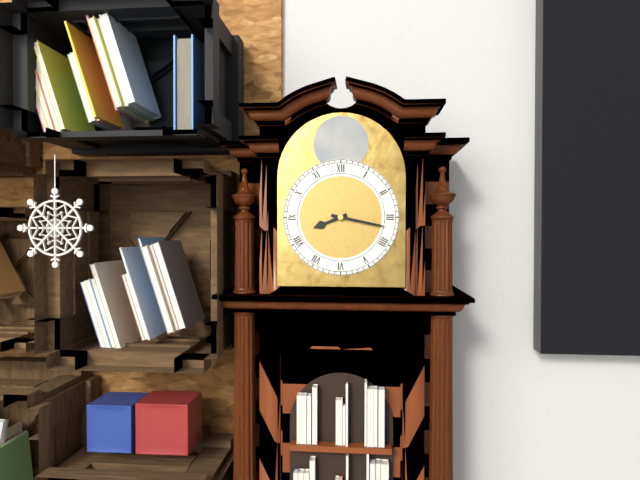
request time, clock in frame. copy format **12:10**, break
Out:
**8:17**
